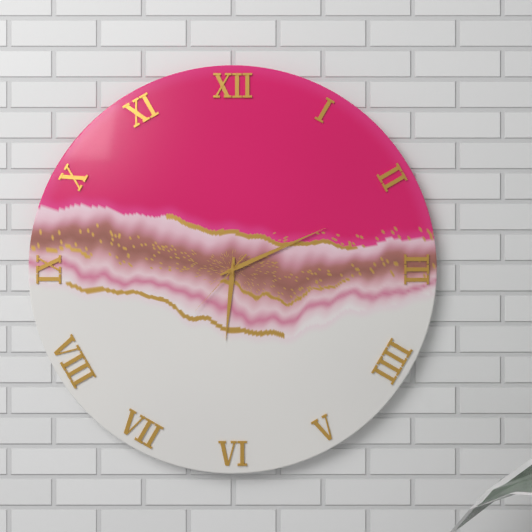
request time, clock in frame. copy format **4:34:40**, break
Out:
**6:11:37**
